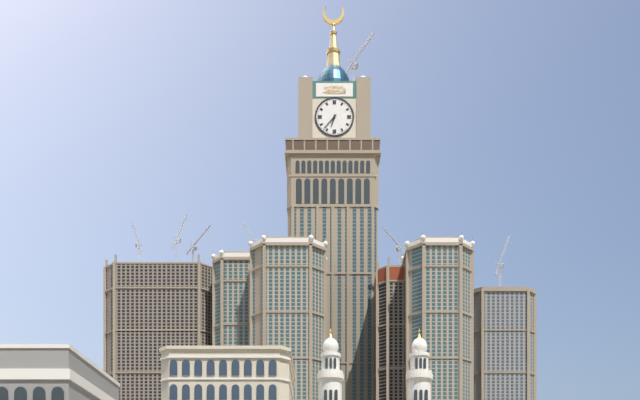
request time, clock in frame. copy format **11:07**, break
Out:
**6:37**
